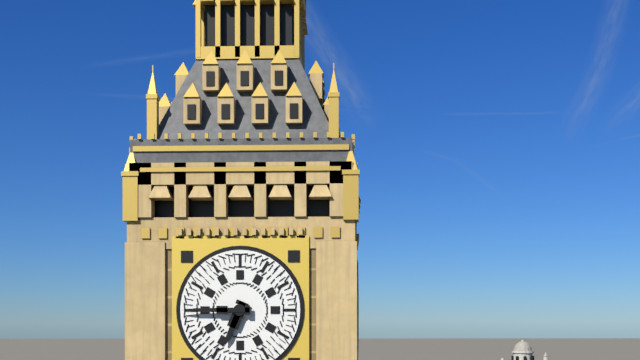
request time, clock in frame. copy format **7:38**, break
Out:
**6:45**
